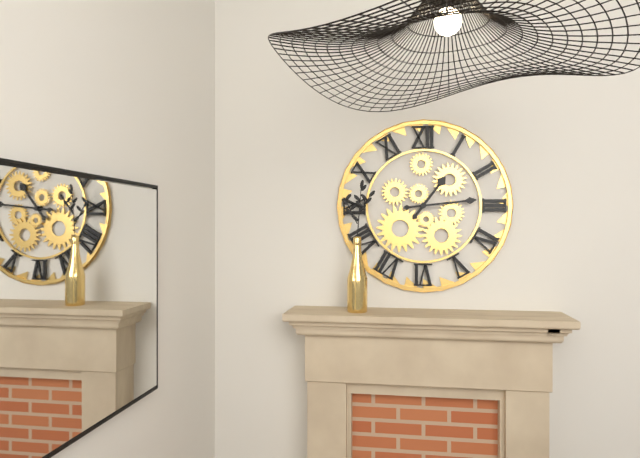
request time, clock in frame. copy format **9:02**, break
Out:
**1:14**
